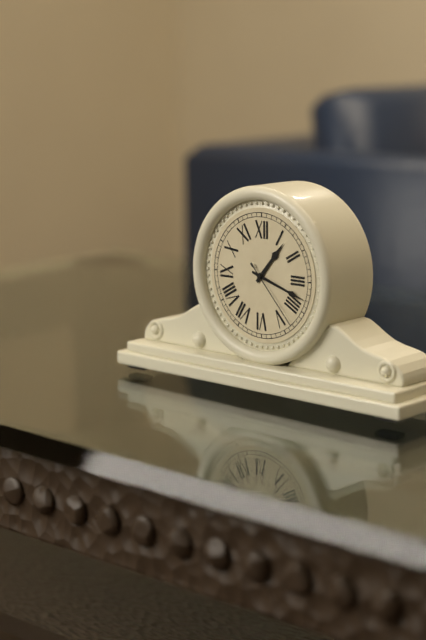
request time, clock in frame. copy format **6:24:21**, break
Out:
**1:18:23**
